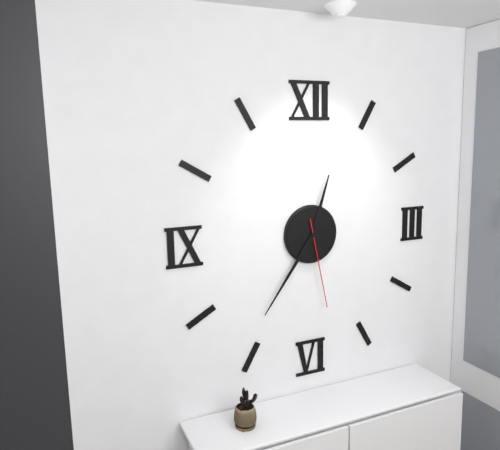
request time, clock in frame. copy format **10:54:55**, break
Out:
**12:36:28**
